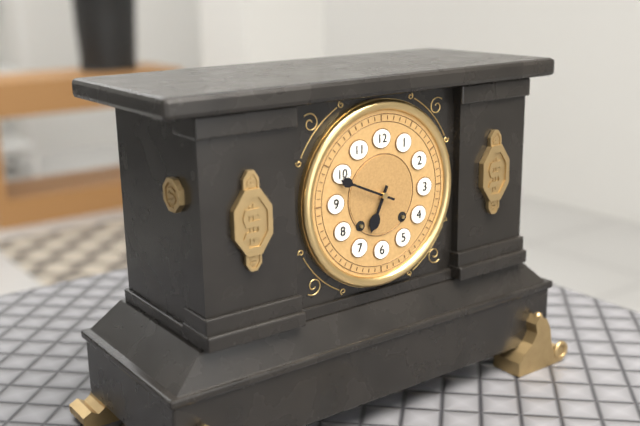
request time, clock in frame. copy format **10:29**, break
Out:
**6:49**
